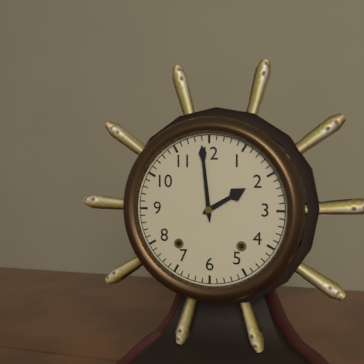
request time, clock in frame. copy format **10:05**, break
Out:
**1:59**
